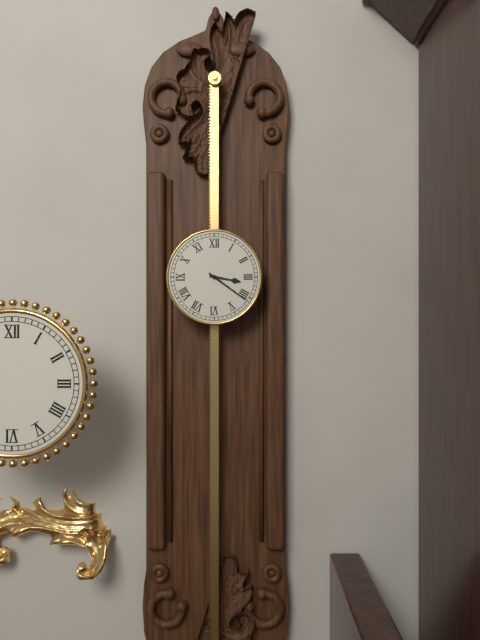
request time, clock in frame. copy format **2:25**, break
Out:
**3:21**
